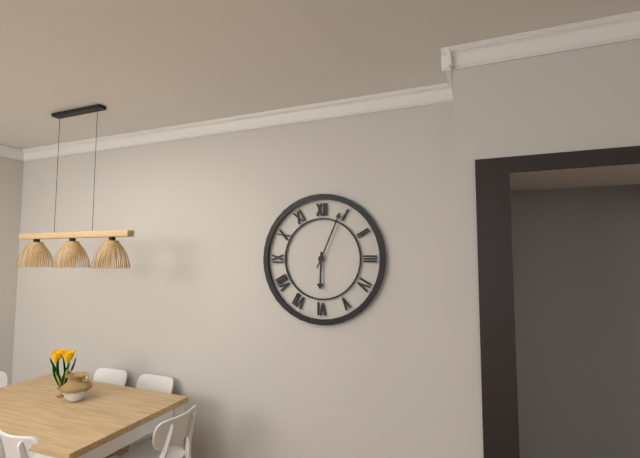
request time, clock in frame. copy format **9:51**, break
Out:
**6:04**
